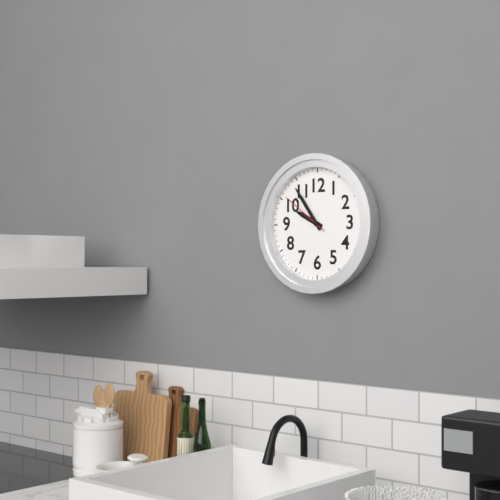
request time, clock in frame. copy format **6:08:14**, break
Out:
**9:54:51**
